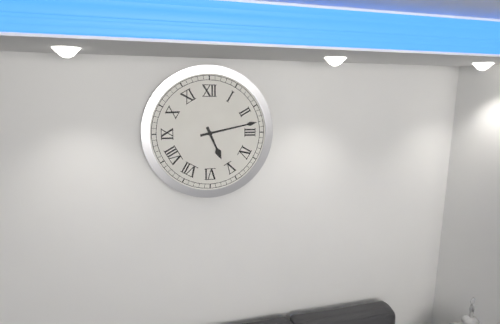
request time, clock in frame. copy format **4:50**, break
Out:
**5:13**
